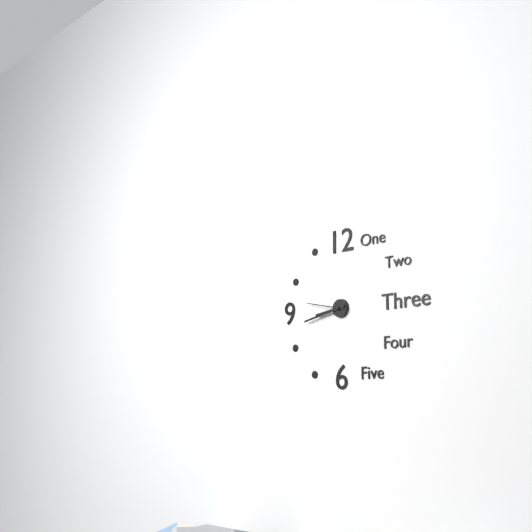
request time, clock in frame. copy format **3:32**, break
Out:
**8:43**
